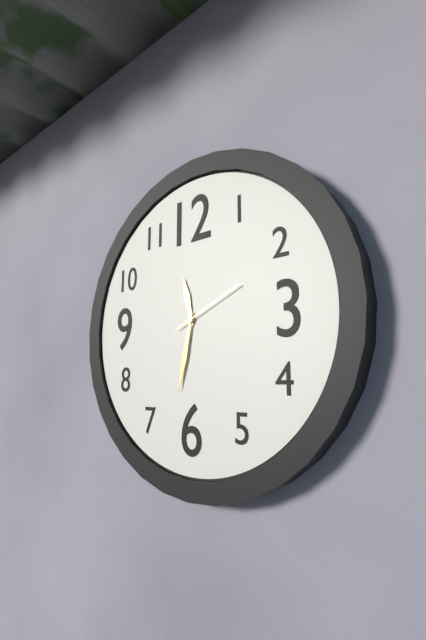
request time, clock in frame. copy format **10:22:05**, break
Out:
**11:32:11**
